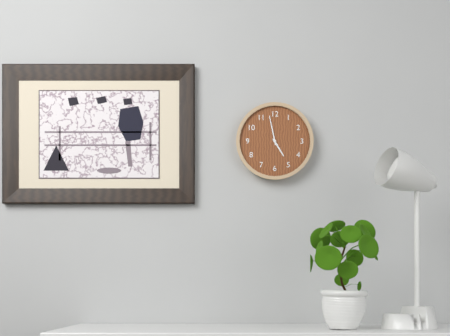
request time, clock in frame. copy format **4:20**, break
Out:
**4:58**
